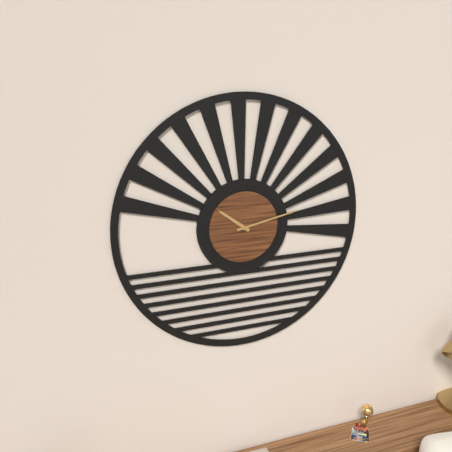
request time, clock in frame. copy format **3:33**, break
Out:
**10:13**
